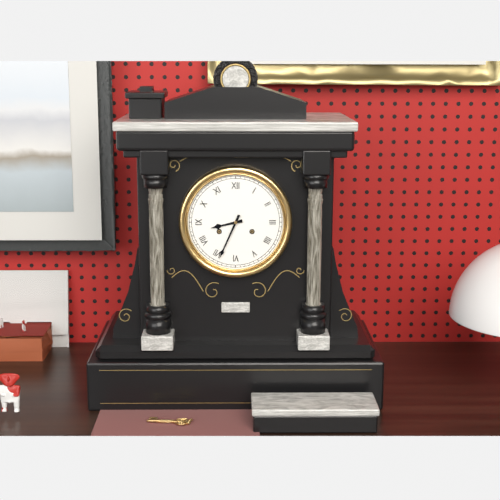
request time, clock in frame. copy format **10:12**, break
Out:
**8:34**
